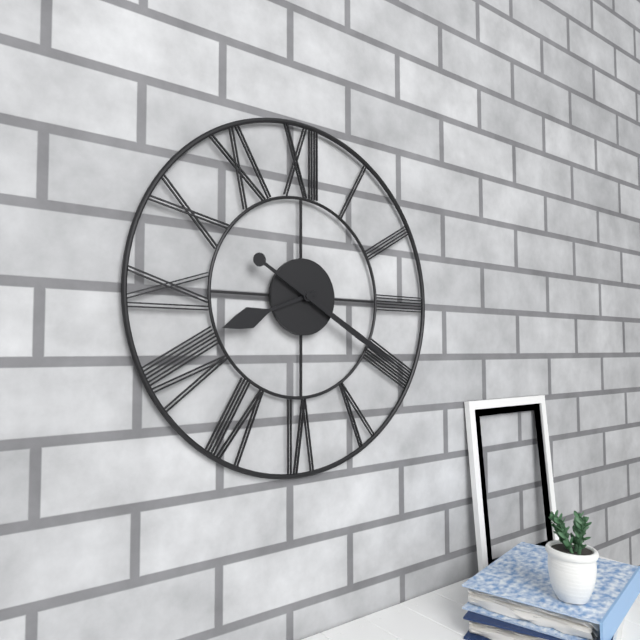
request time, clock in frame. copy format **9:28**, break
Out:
**8:20**
